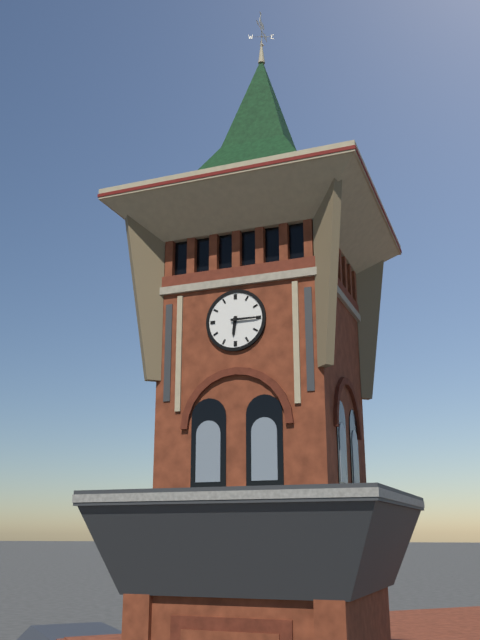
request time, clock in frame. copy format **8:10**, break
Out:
**6:15**
